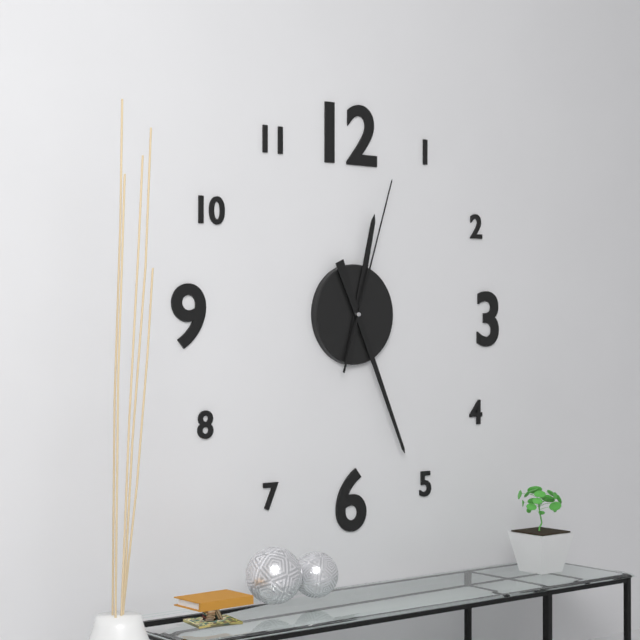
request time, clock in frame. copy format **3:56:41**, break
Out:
**12:26:03**
